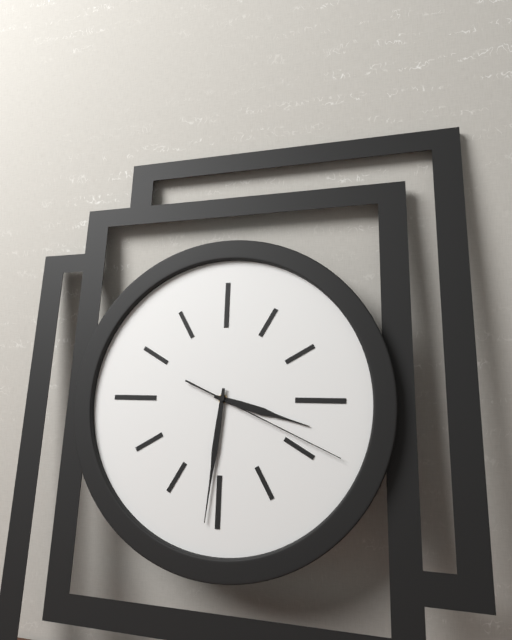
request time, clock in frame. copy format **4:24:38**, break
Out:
**3:31:19**
